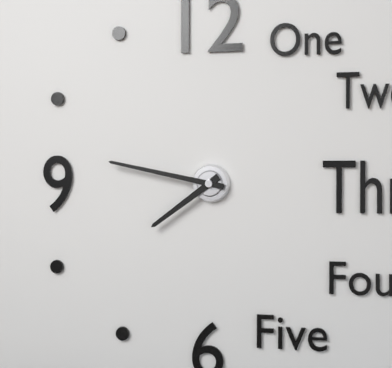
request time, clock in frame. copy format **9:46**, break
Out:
**7:47**
